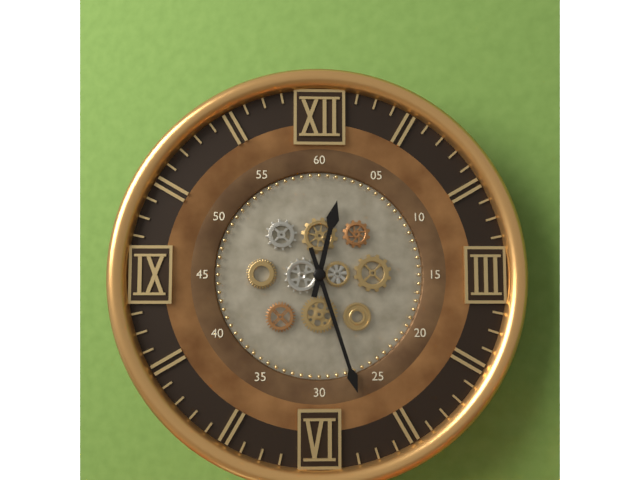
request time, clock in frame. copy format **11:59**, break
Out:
**12:27**
